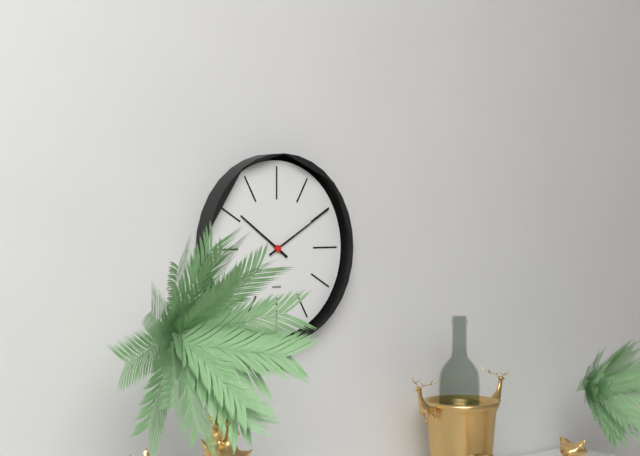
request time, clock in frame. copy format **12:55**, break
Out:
**10:10**
